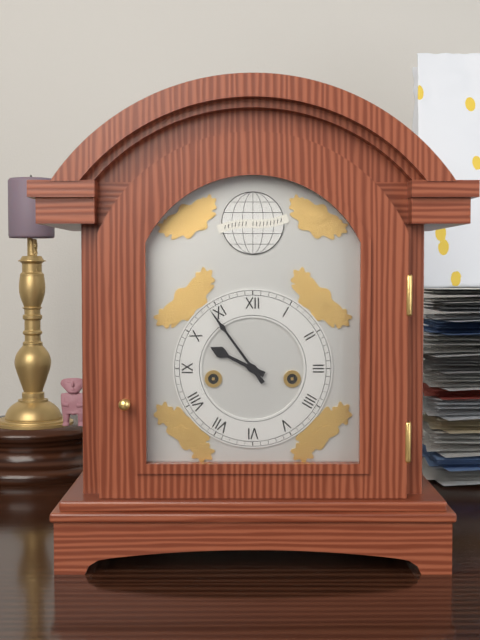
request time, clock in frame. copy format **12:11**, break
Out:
**9:54**
